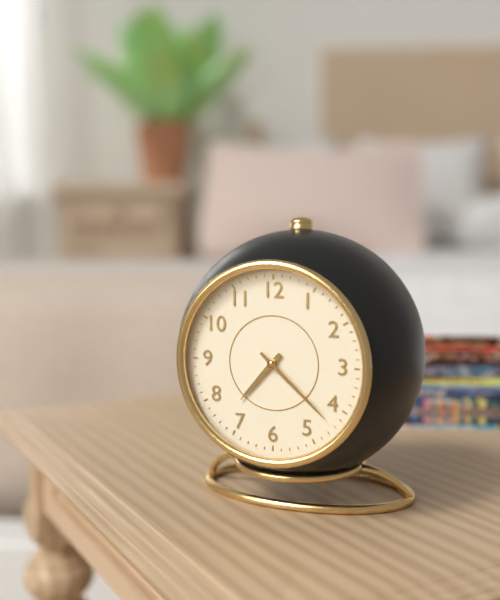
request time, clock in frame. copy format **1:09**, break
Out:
**7:22**
